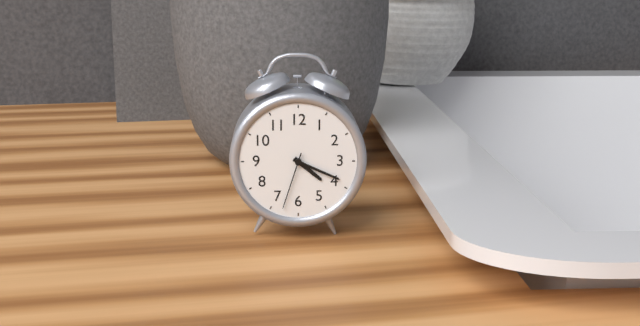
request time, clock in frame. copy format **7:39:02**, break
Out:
**4:19:33**
